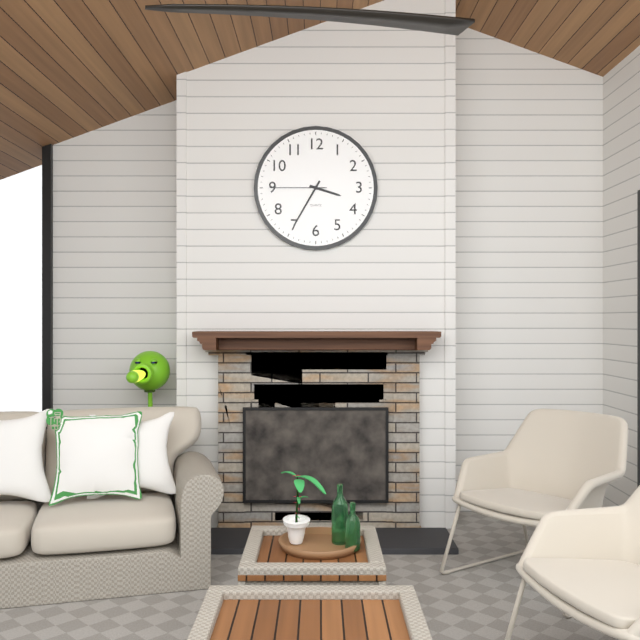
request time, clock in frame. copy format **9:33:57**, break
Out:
**3:35:45**
